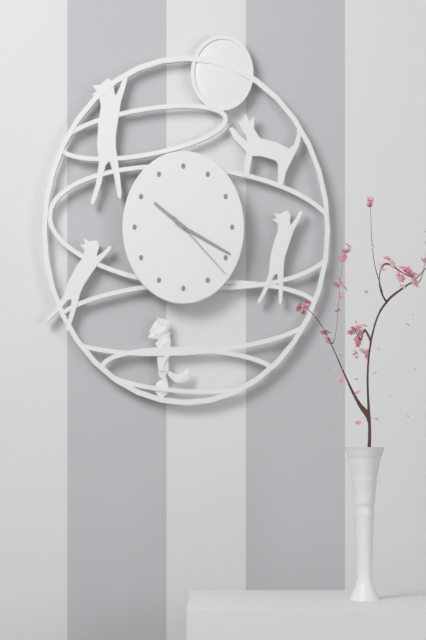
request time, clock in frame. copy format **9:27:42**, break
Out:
**10:20:23**
